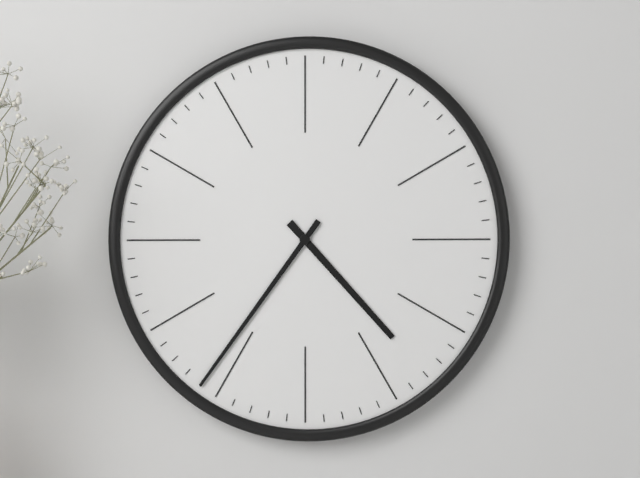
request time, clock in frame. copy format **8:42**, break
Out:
**4:36**
